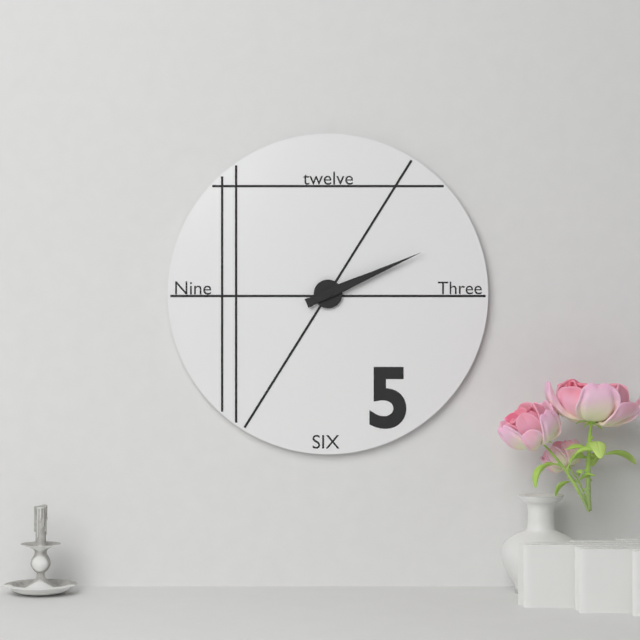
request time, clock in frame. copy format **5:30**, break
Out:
**2:11**
